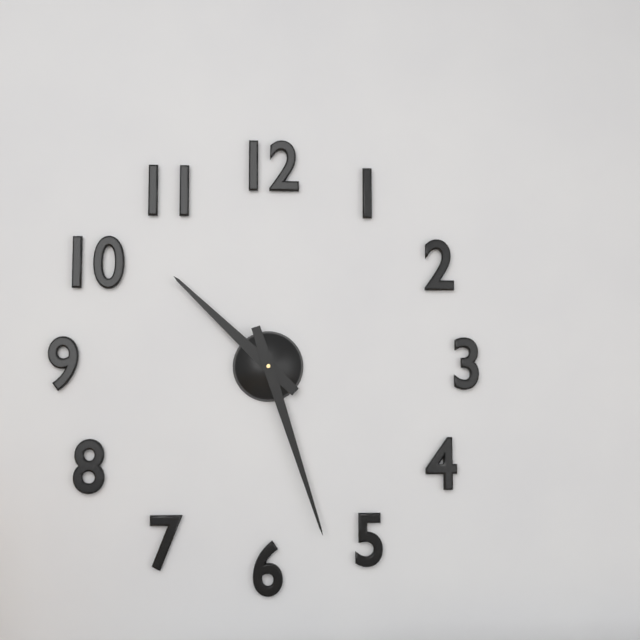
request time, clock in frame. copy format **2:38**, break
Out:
**10:27**
